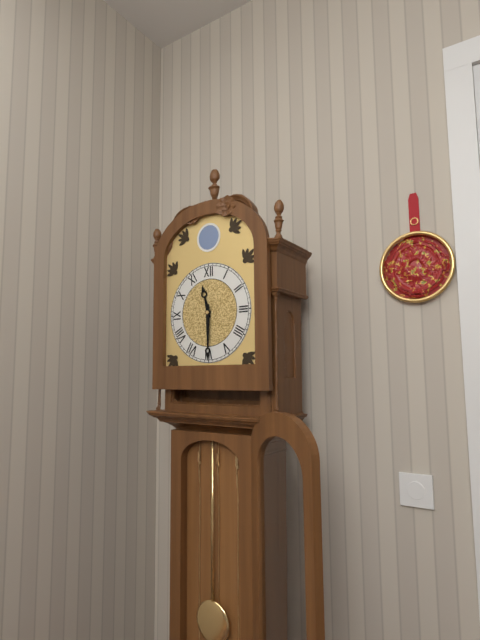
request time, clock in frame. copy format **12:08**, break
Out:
**11:30**
